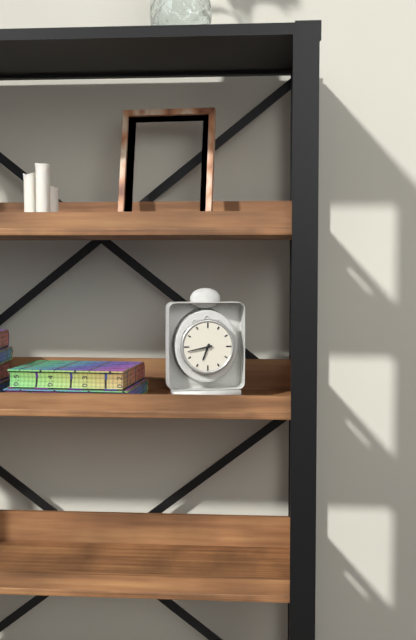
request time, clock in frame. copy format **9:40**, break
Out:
**6:43**
